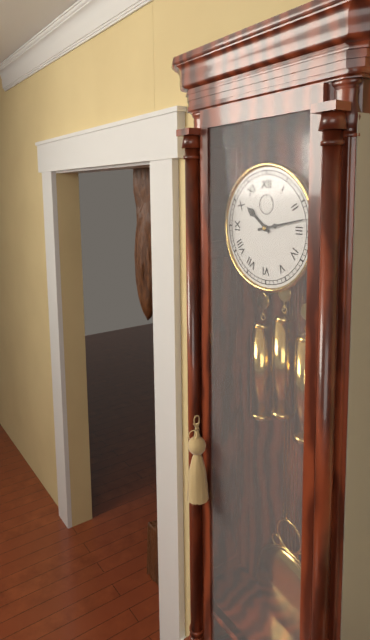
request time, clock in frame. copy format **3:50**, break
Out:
**10:13**
